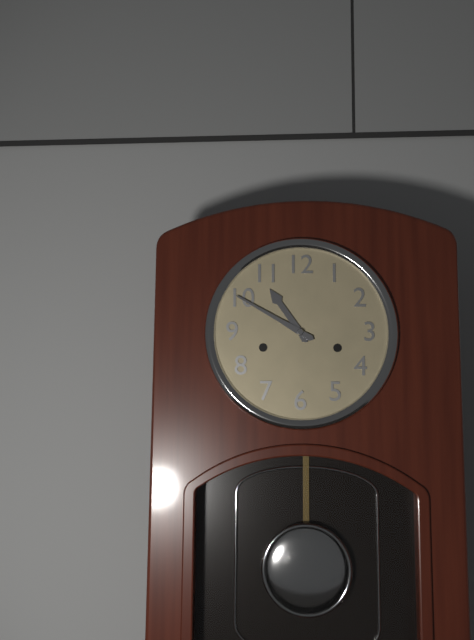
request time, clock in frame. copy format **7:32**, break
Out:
**10:50**
